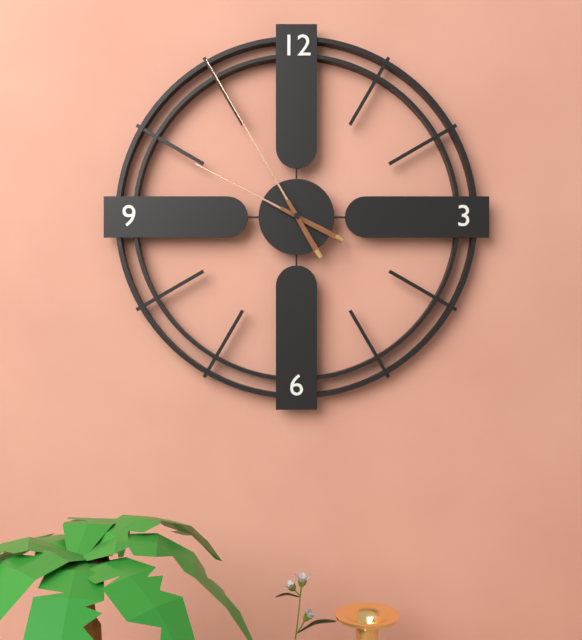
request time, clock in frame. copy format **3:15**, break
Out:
**9:55**
